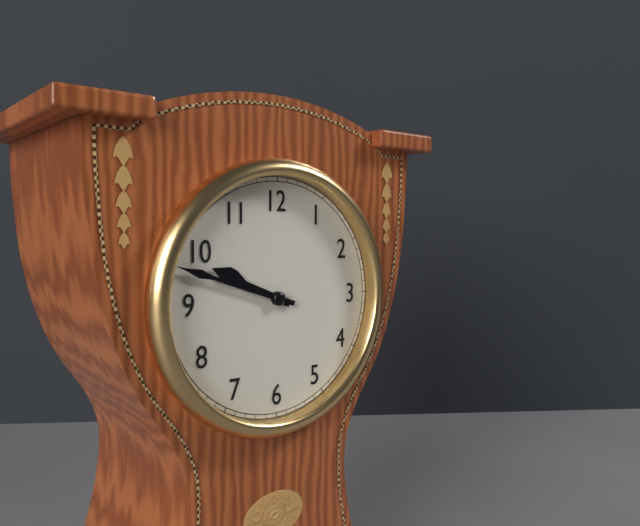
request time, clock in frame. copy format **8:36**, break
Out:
**9:48**
